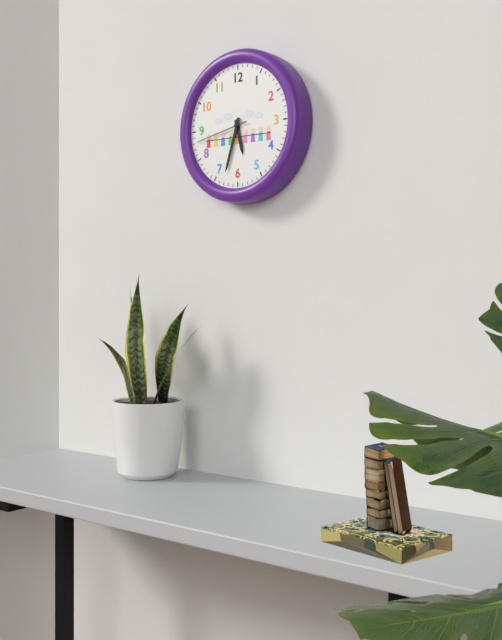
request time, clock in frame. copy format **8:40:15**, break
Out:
**5:33:43**
